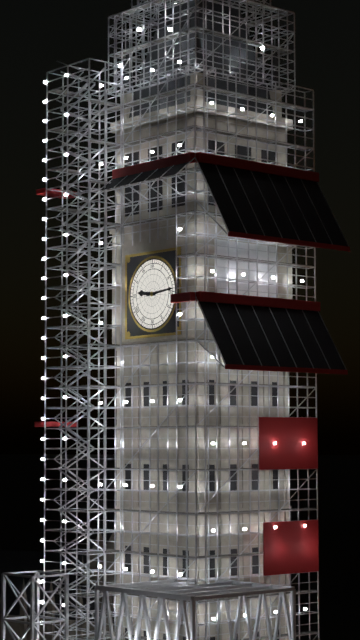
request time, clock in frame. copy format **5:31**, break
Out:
**9:14**
